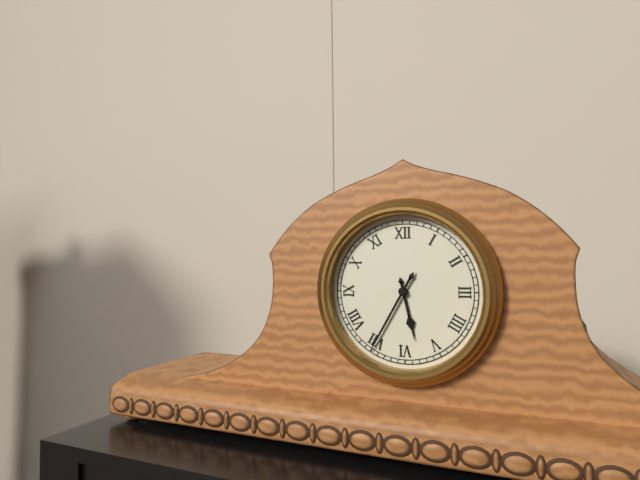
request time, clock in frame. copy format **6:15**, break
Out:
**5:35**
